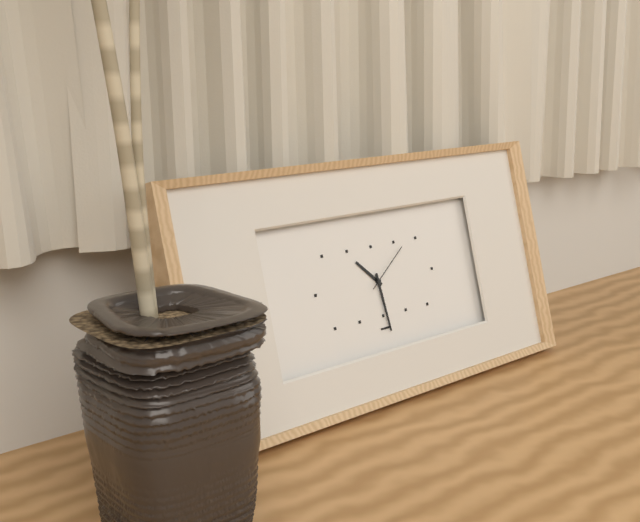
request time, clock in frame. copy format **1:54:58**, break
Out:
**10:29:09**
